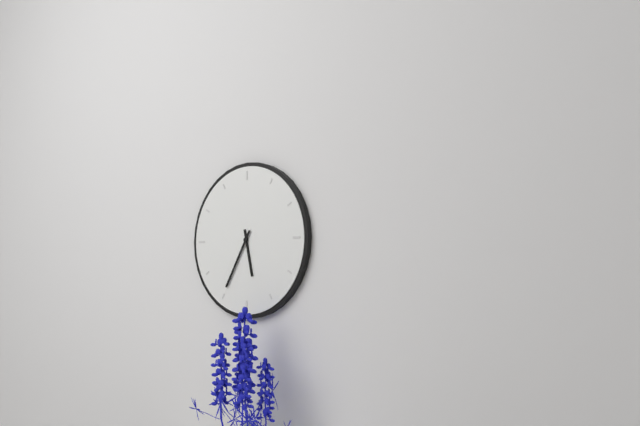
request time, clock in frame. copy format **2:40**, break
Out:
**5:35**
